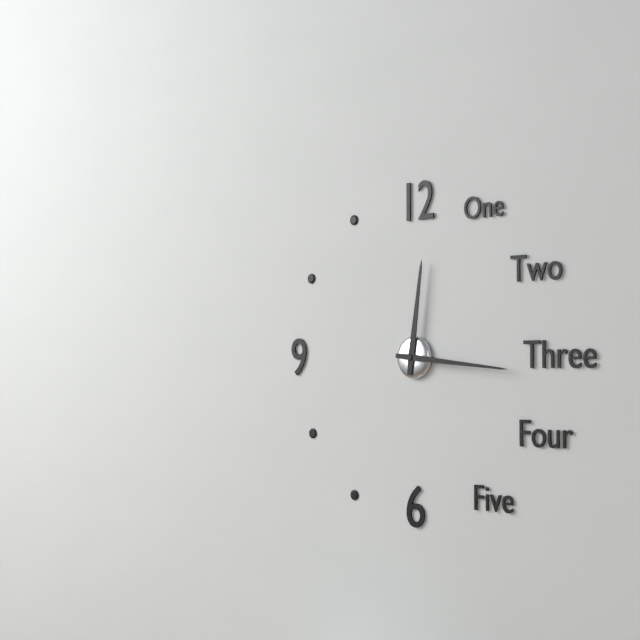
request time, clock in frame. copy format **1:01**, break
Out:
**12:16**
